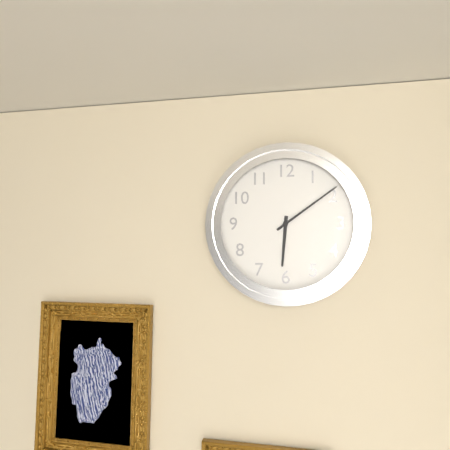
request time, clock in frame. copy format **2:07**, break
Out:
**6:09**
